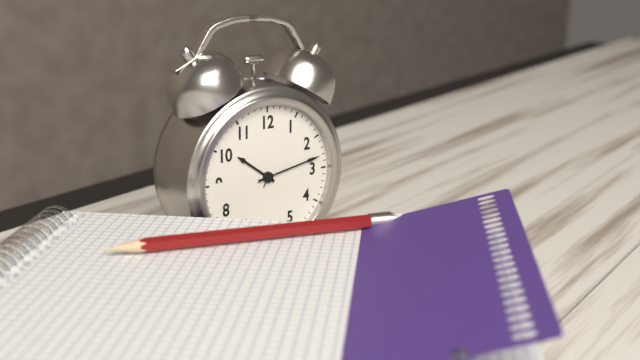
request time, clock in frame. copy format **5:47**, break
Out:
**10:13**
